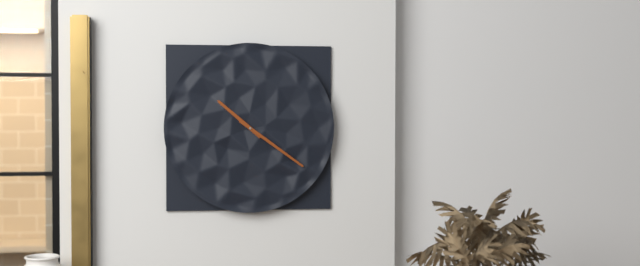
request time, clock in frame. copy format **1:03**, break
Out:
**10:21**
